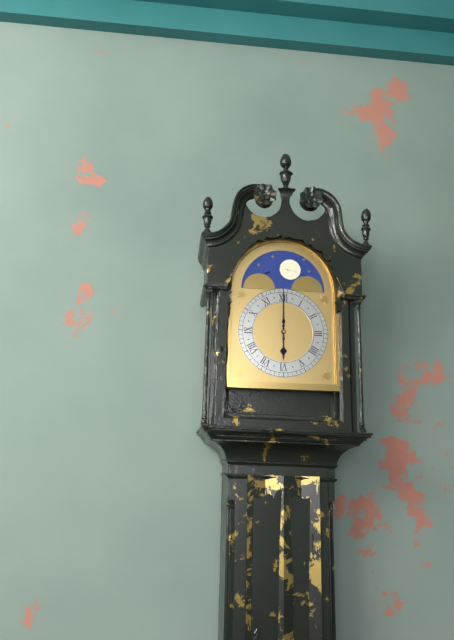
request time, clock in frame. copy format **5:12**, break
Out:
**6:00**
